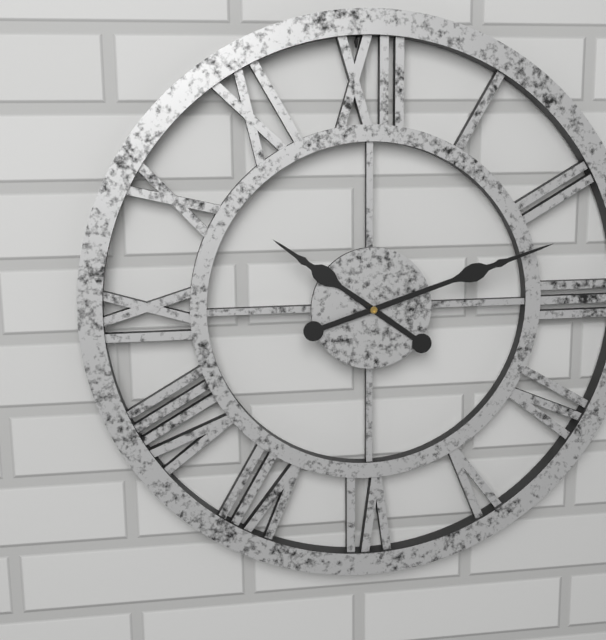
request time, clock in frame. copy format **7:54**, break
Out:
**10:12**
